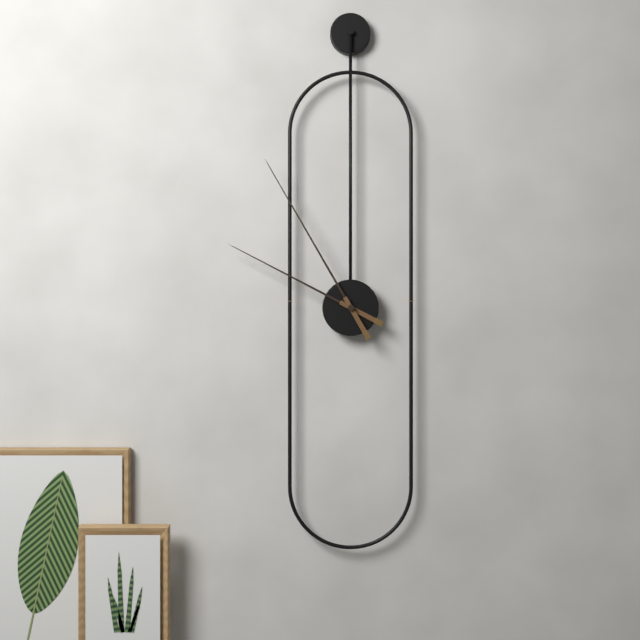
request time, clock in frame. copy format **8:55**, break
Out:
**9:55**
